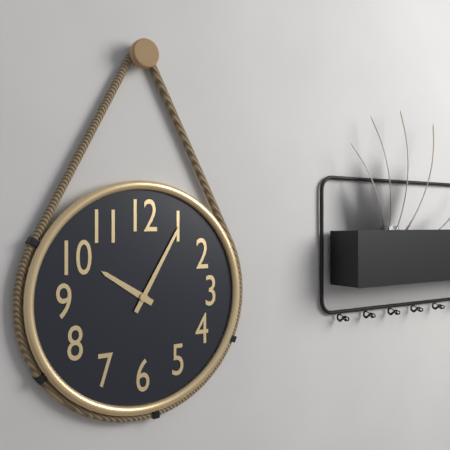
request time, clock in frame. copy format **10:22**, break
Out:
**10:05**
